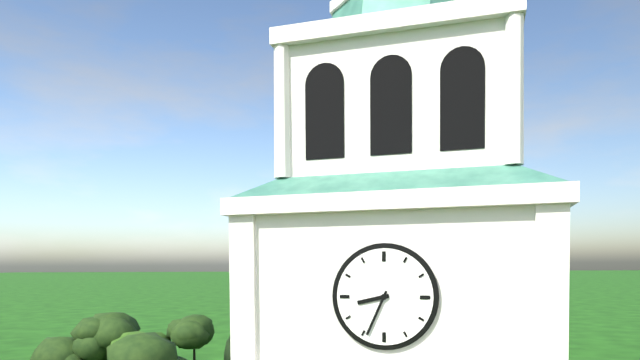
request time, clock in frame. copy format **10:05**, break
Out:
**8:34**
